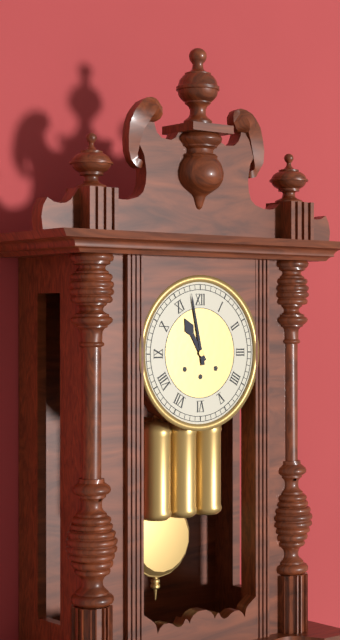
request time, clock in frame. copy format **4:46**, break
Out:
**10:58**
